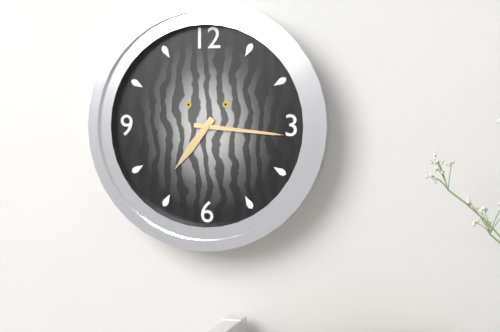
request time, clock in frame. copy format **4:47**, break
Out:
**7:16**
